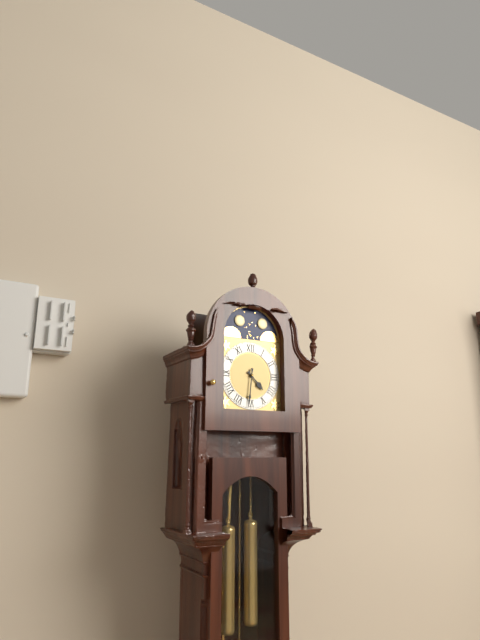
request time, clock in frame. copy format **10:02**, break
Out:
**4:31**
